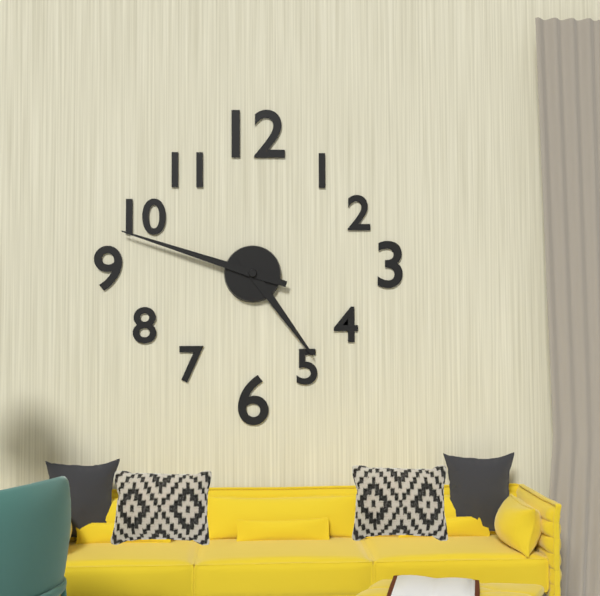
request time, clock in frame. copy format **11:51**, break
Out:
**4:48**
